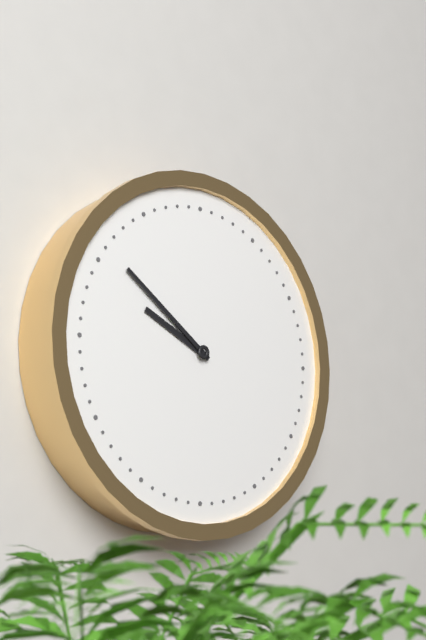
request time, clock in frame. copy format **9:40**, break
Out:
**9:51**
